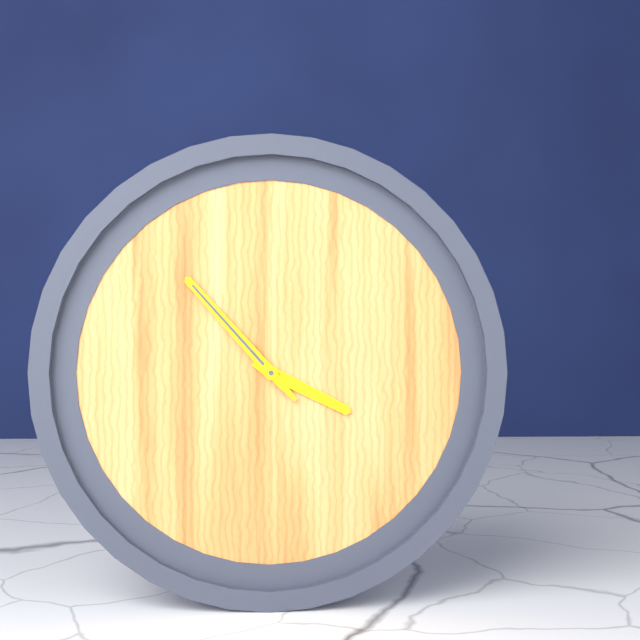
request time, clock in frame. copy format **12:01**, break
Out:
**3:53**
